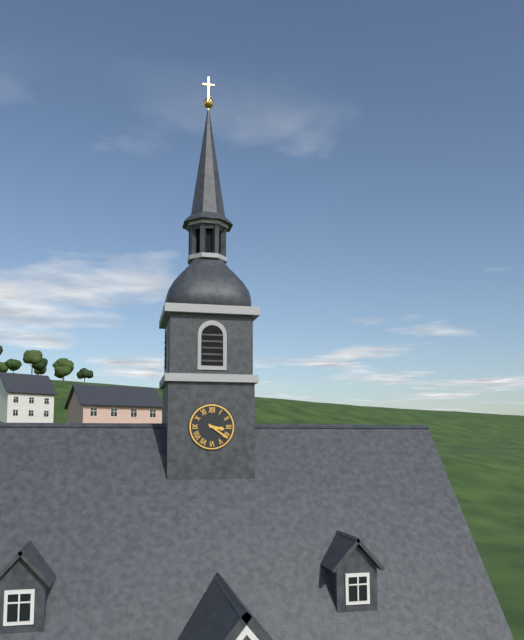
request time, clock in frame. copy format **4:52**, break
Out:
**3:21**
